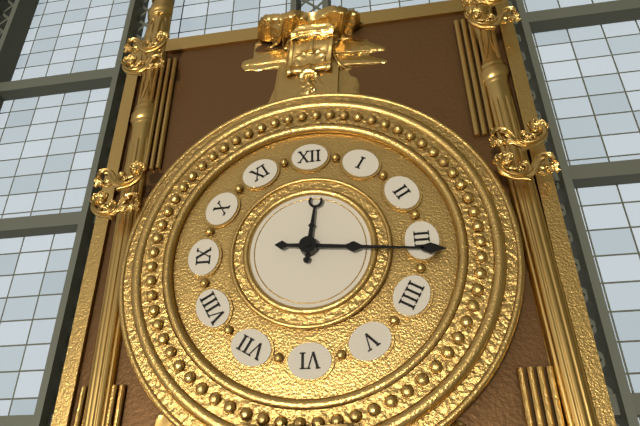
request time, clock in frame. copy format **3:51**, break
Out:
**12:16**
